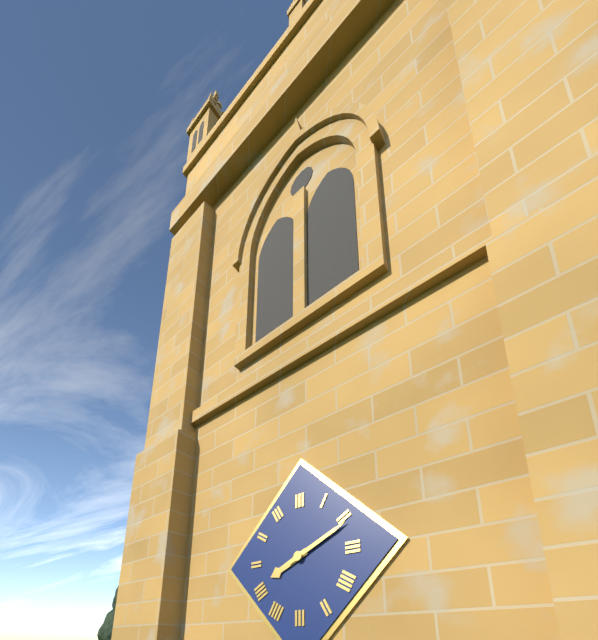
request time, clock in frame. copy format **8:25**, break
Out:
**8:11**
